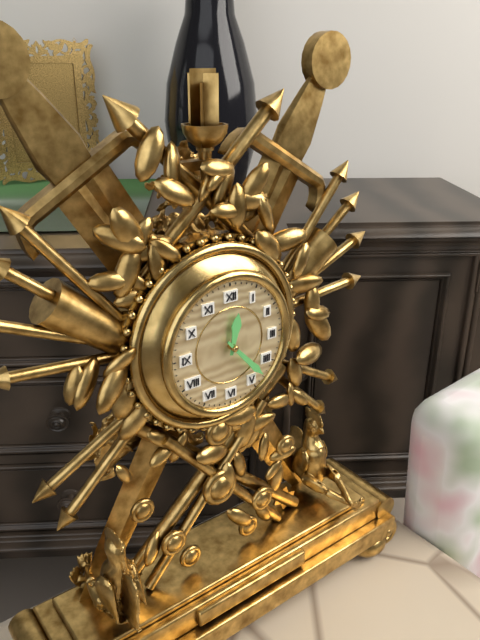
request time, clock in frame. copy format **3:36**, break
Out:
**12:23**
